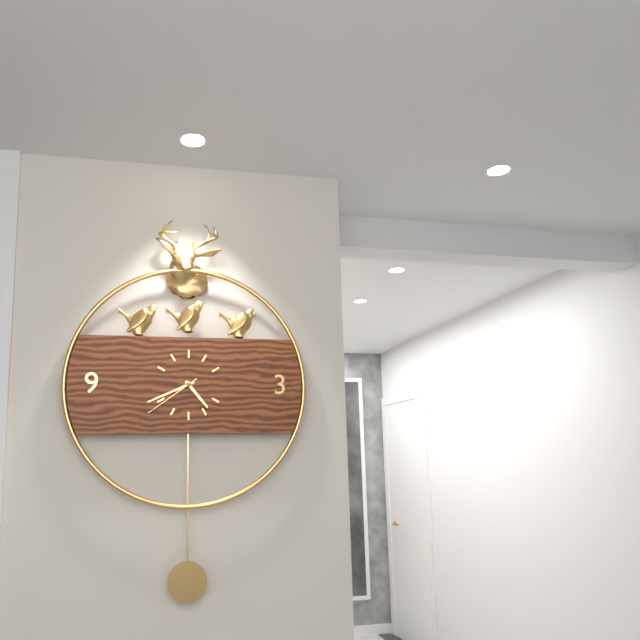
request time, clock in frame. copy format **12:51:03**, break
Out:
**4:41:39**
